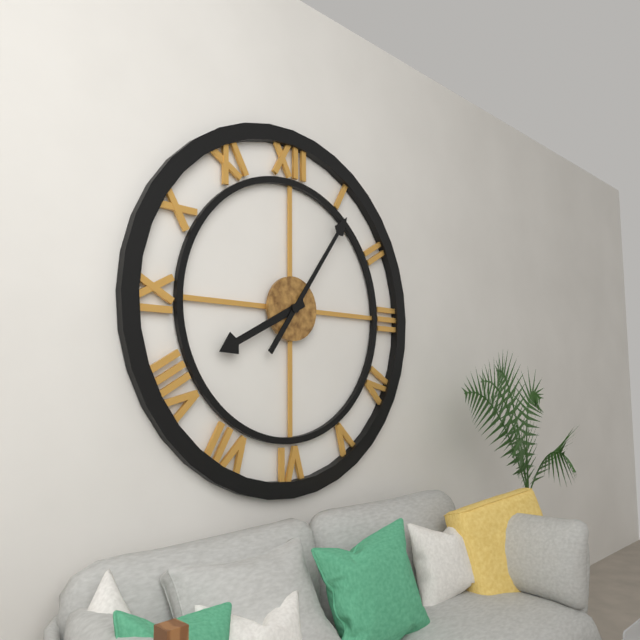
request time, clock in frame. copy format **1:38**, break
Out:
**8:06**
